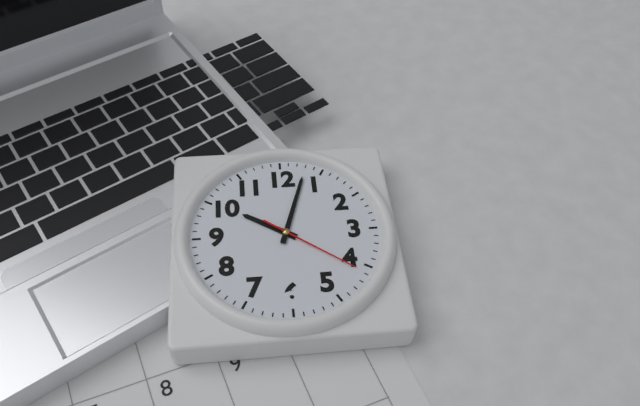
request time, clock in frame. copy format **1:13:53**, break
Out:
**10:03:21**
